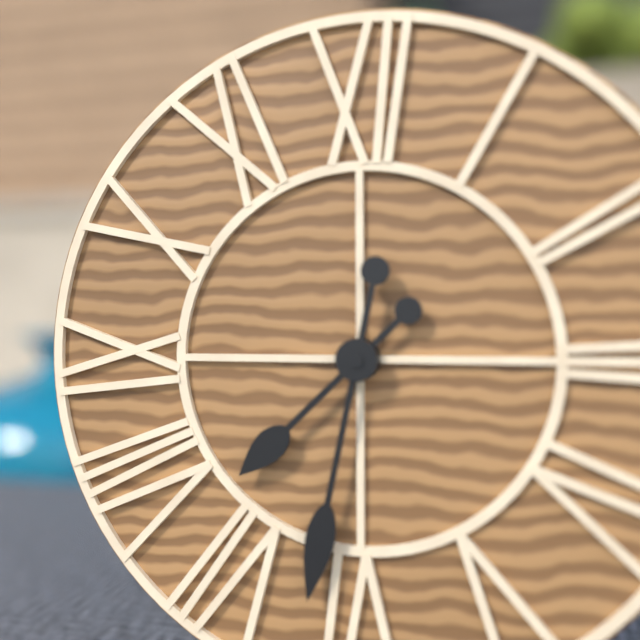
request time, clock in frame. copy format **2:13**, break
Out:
**7:32**
